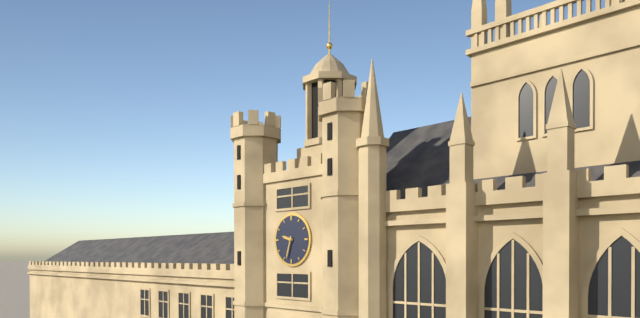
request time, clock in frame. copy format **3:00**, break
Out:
**9:33**
